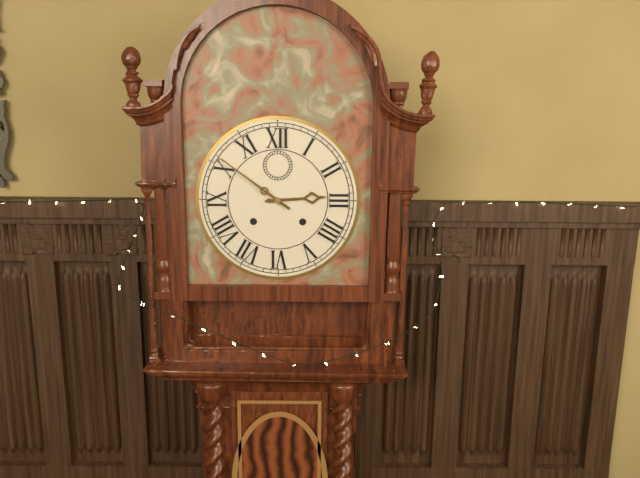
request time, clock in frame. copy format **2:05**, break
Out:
**2:51**
